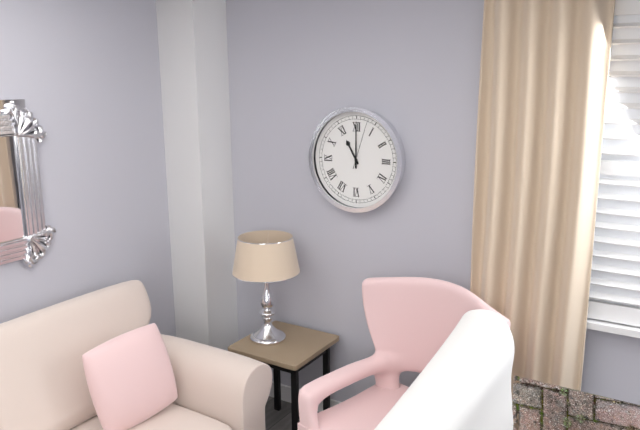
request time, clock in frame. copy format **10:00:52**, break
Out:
**11:00:03**
